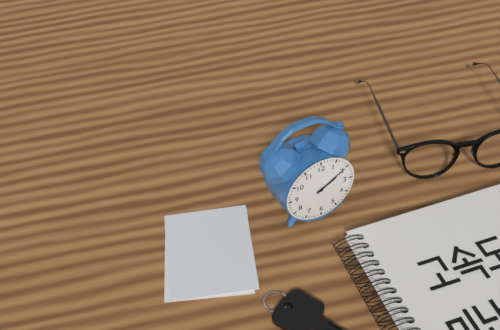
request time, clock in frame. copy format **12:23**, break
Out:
**2:10**
